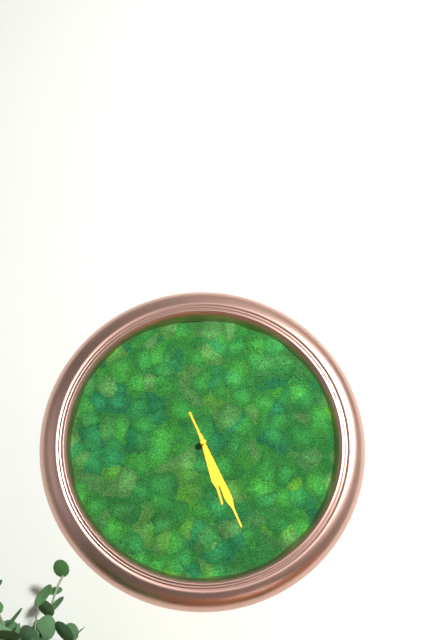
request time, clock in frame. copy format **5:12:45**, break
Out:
**5:26:26**
